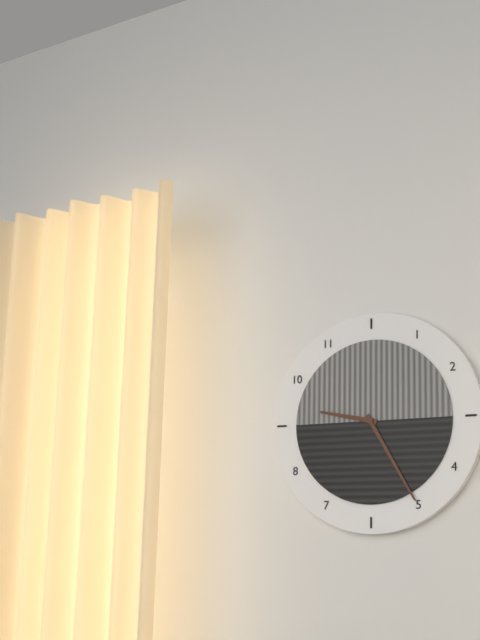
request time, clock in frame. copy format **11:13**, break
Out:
**9:25**
